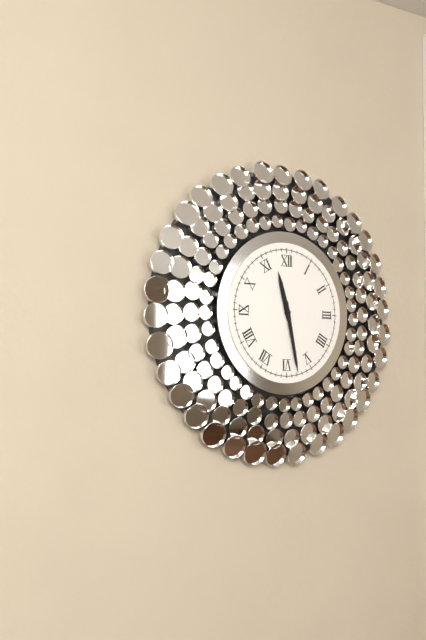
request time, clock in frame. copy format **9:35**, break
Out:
**11:28**
